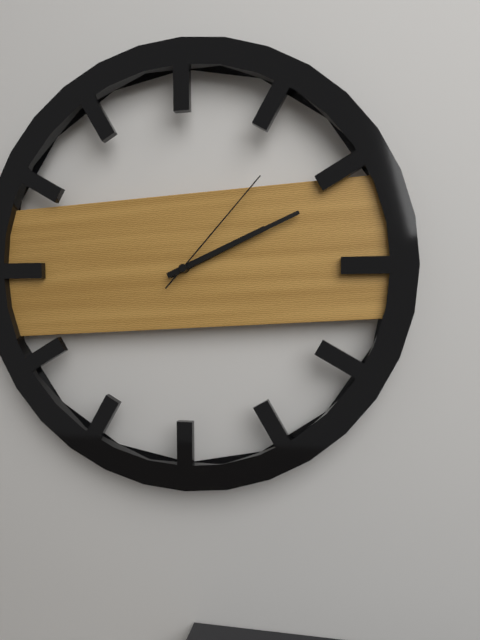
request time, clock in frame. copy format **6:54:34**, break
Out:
**2:11:07**
